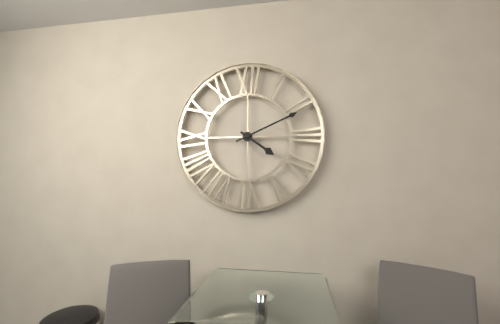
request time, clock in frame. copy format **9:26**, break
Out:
**4:11**
